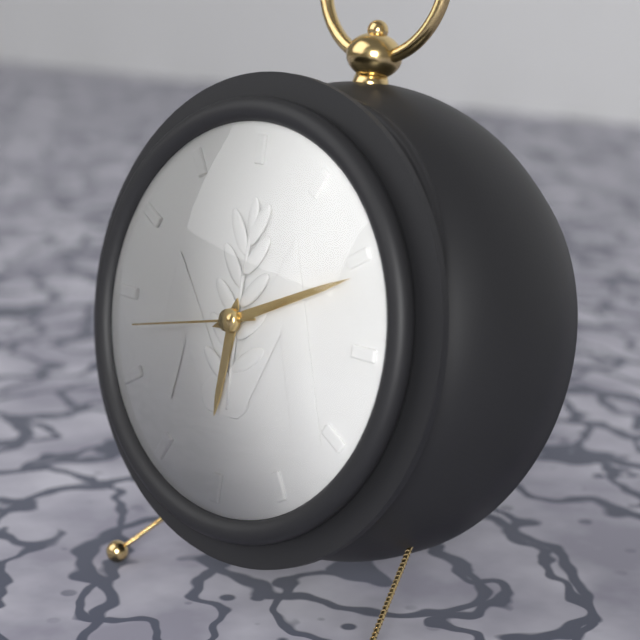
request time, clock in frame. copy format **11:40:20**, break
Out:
**6:11:43**
